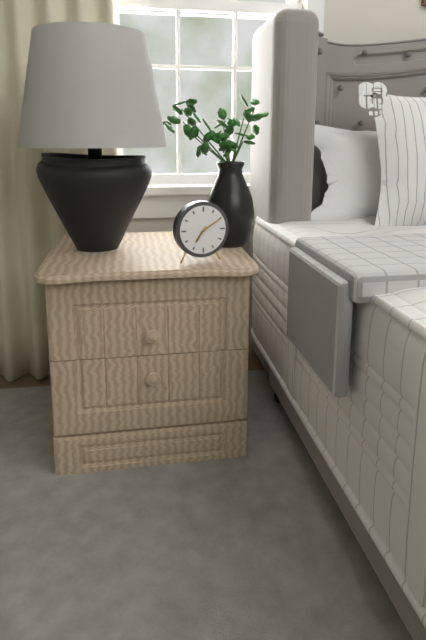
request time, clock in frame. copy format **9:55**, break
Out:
**7:10**
